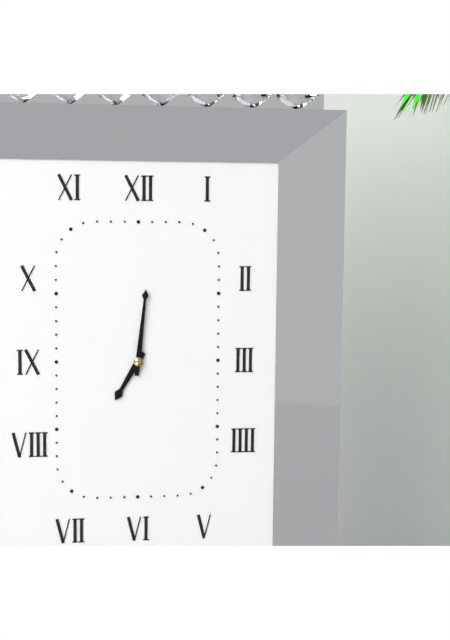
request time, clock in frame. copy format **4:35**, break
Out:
**7:01**
